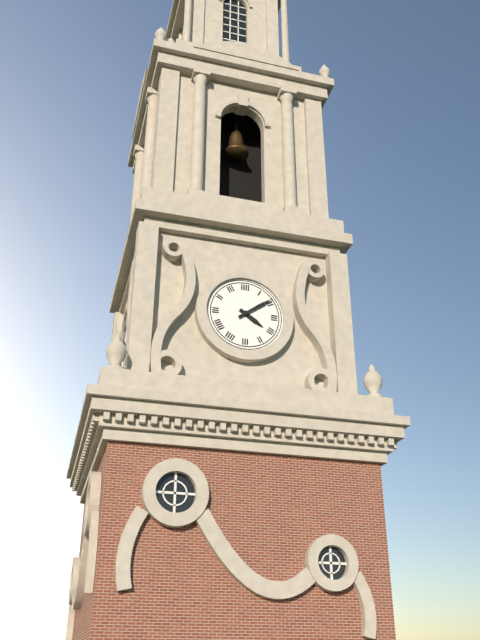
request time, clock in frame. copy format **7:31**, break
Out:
**4:09**
